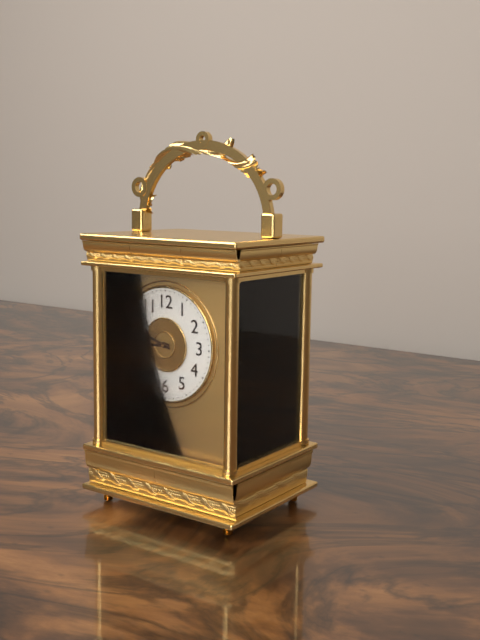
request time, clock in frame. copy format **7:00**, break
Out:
**8:48**
